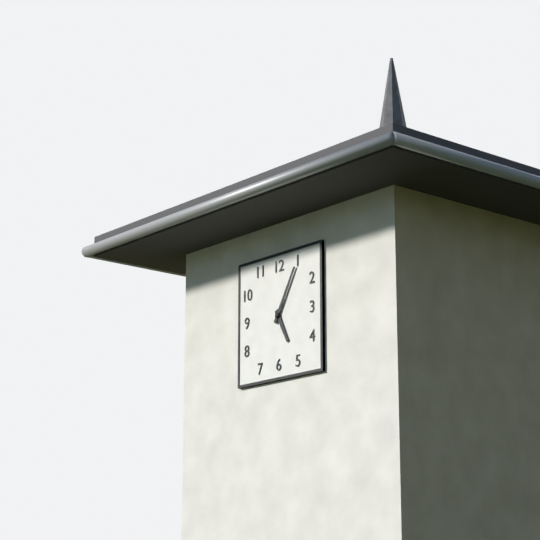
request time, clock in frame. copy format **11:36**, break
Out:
**5:05**
